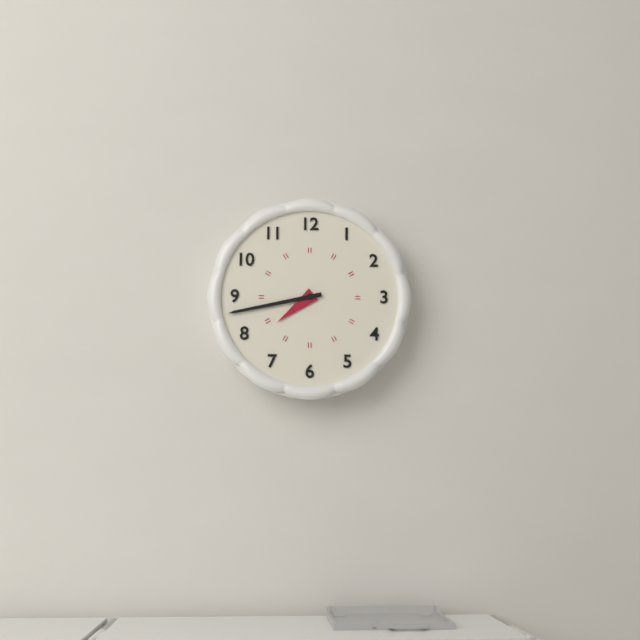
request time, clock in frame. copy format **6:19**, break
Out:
**7:43**
